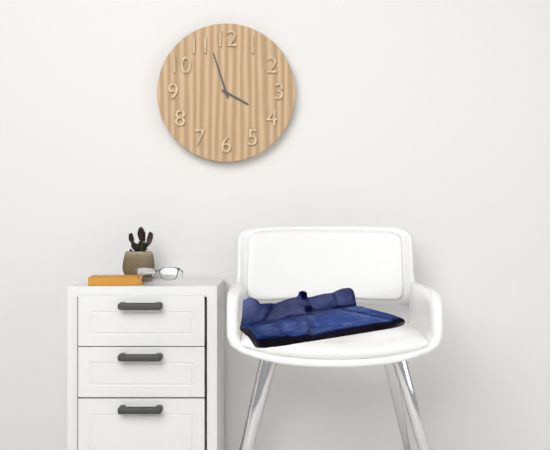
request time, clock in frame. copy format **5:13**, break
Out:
**3:57**
